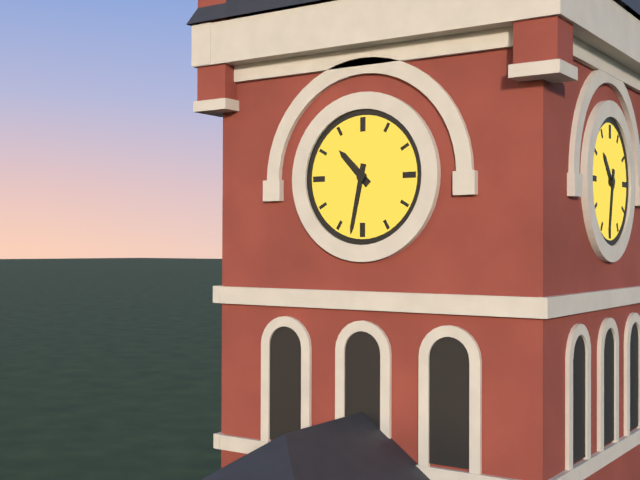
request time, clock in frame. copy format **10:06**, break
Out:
**10:32**
